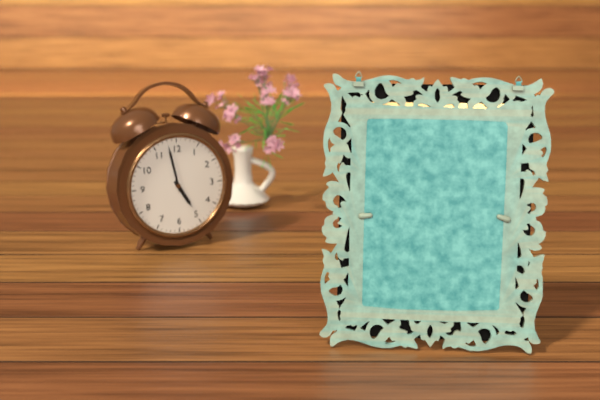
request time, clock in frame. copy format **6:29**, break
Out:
**4:58**
